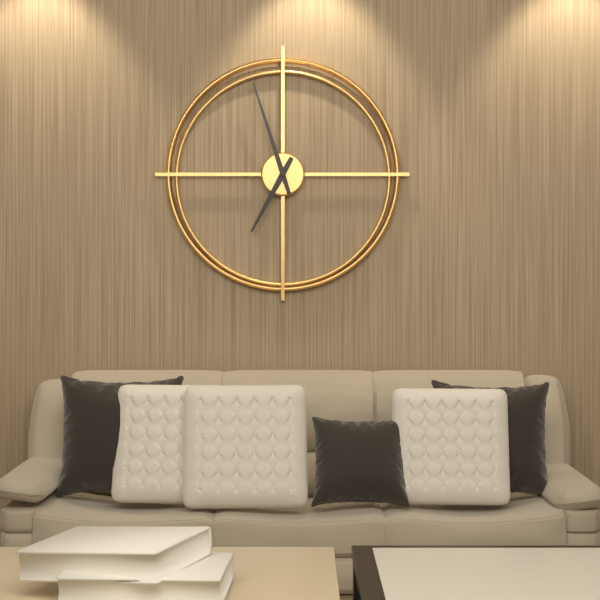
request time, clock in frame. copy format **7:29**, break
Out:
**6:57**
